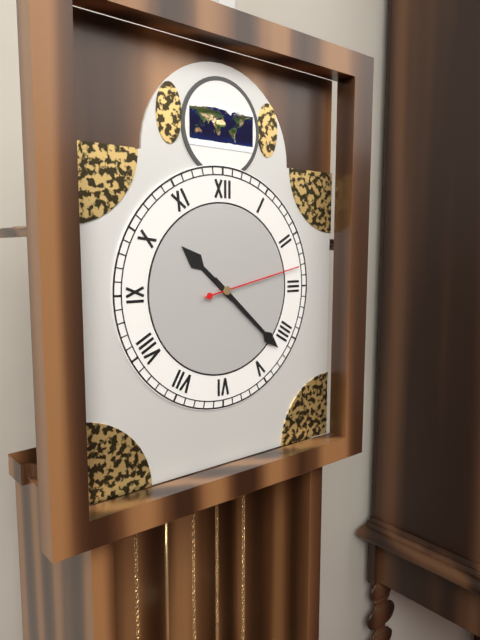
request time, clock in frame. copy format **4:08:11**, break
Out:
**10:22:13**
